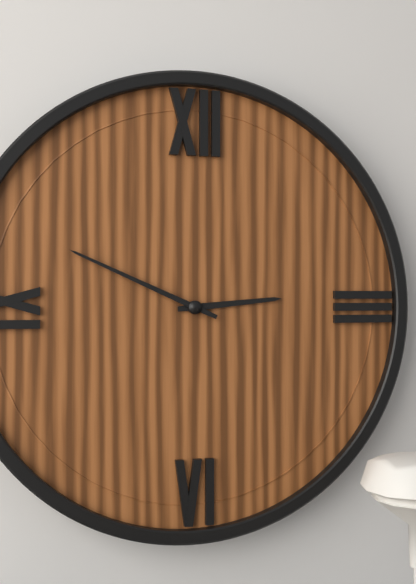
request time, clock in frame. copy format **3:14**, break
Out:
**2:49**
